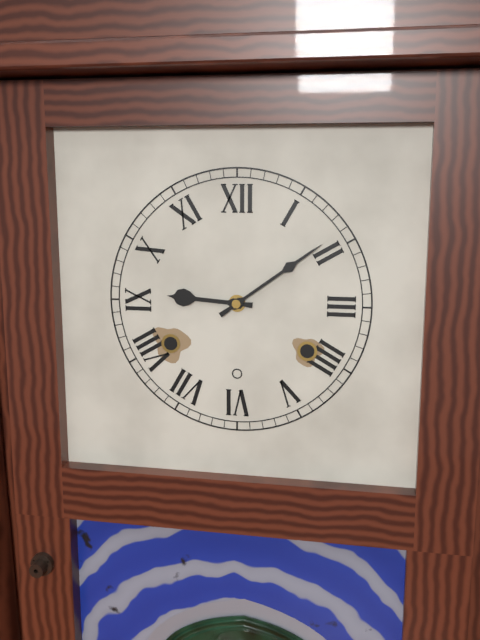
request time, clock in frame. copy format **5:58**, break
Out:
**9:09**
